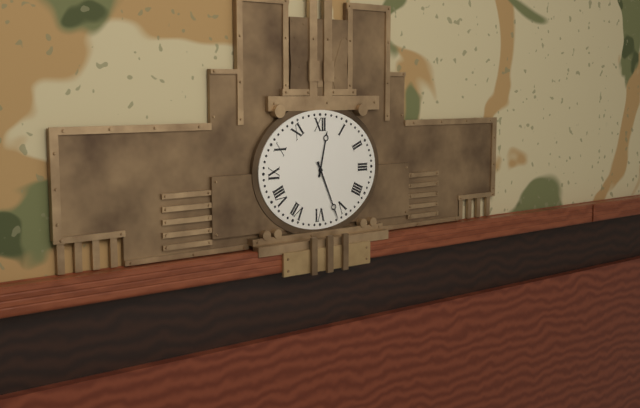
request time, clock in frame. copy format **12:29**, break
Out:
**12:26**
